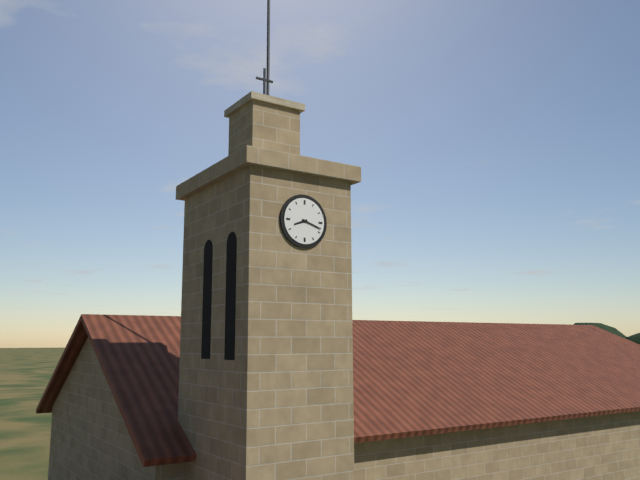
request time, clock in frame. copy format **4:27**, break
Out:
**8:18**
